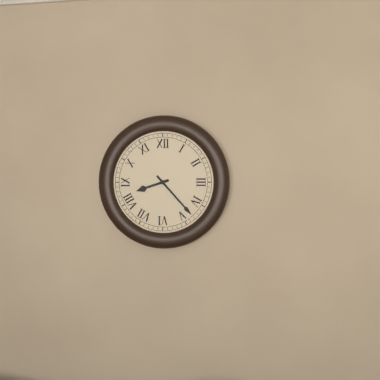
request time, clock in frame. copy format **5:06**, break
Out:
**8:23**
